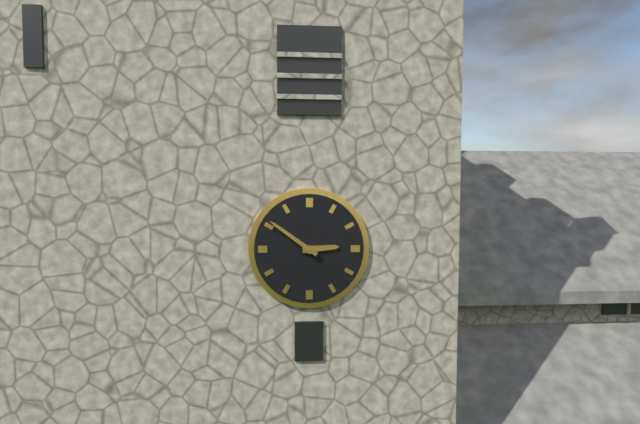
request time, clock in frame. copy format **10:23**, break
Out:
**2:51**
